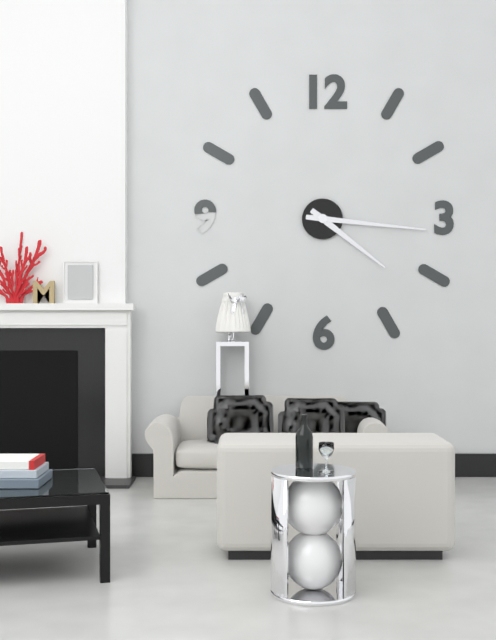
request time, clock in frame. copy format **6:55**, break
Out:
**4:16**
